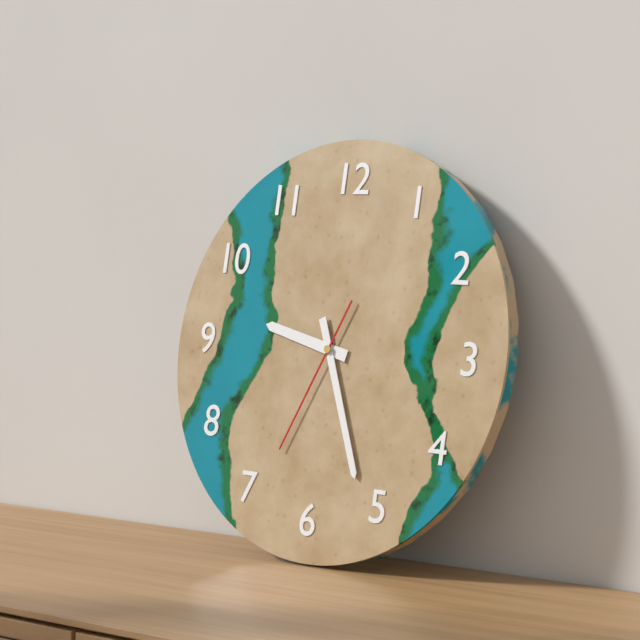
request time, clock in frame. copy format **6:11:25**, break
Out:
**9:26:34**
